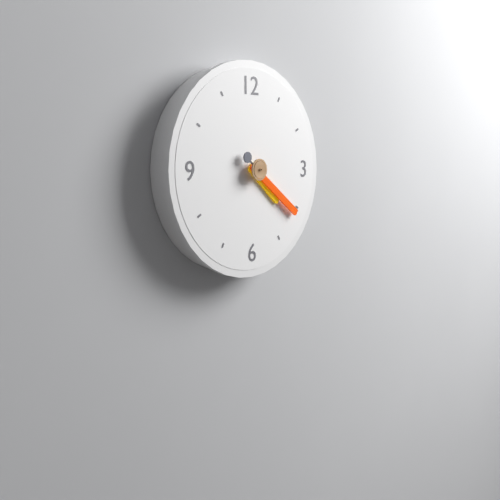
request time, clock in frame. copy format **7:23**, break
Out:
**4:21**
